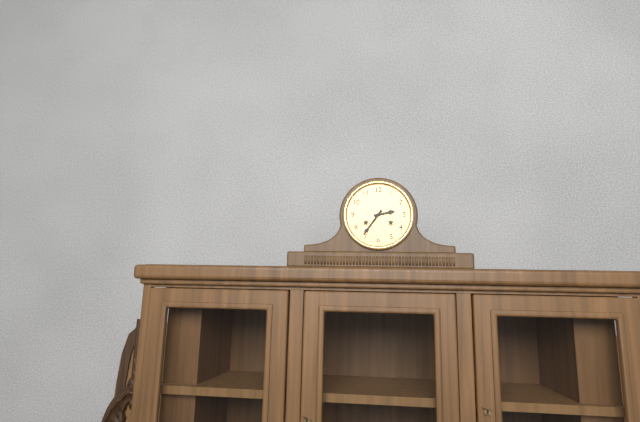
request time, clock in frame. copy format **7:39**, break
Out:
**2:36**
